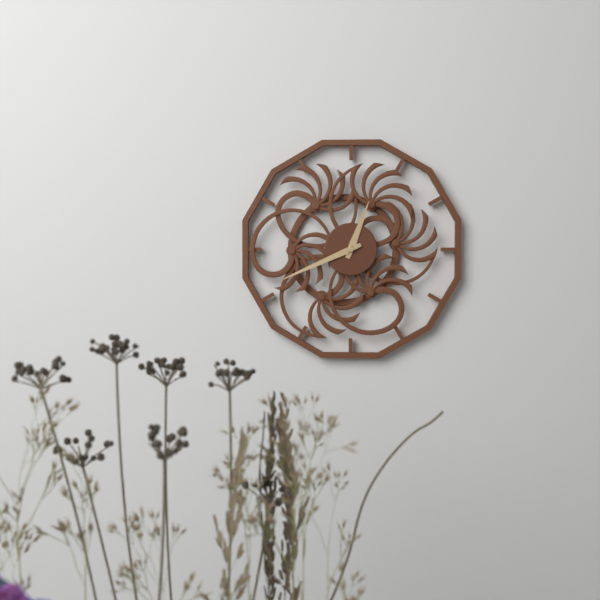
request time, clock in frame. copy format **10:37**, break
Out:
**12:41**
